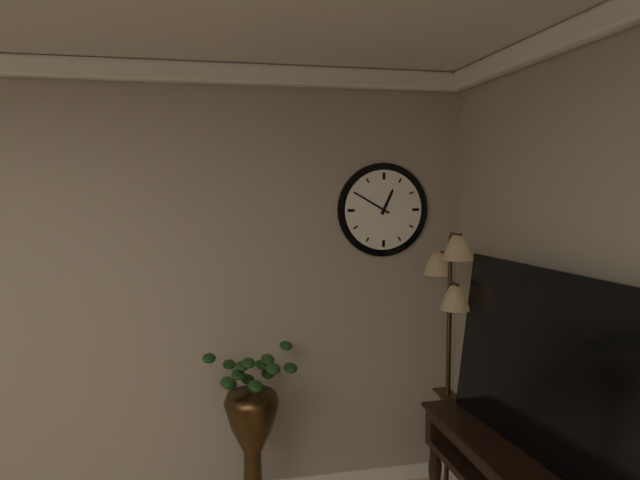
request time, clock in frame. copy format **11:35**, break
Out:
**12:50**
